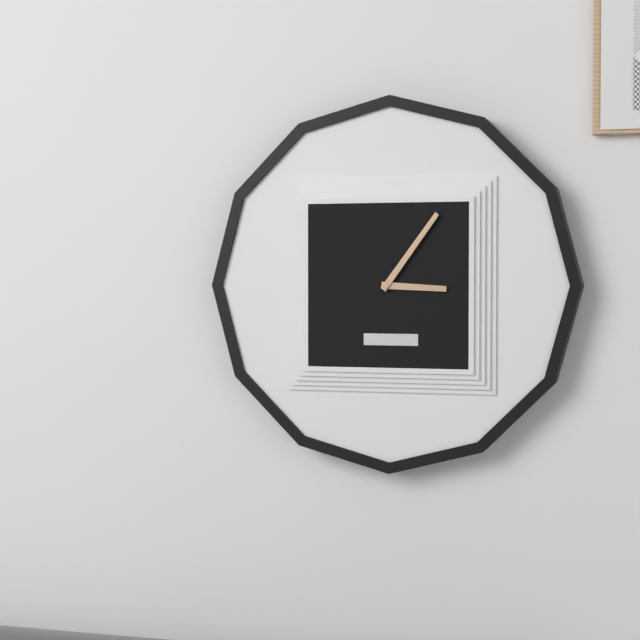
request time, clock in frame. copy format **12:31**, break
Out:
**3:06**
